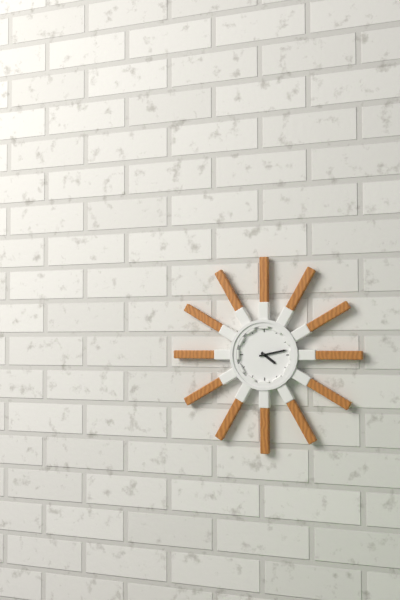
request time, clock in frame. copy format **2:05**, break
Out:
**4:13**
